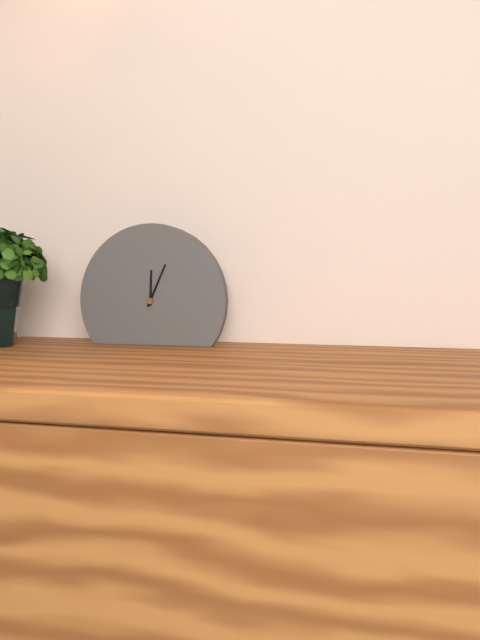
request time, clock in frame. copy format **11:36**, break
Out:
**12:04**
